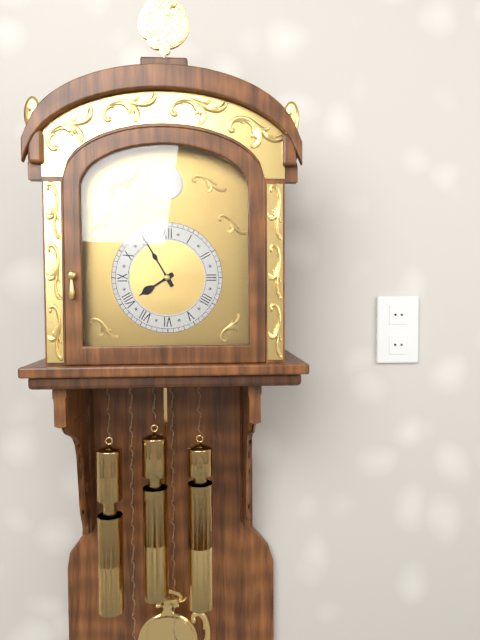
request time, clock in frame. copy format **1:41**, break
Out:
**7:55**
